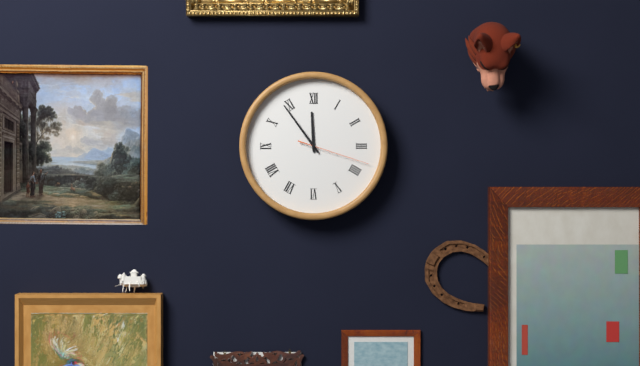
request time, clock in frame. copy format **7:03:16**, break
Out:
**11:54:18**
